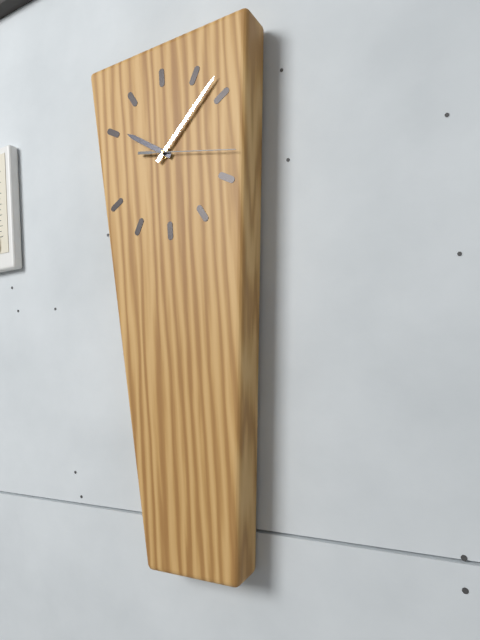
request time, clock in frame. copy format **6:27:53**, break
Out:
**10:08:17**
